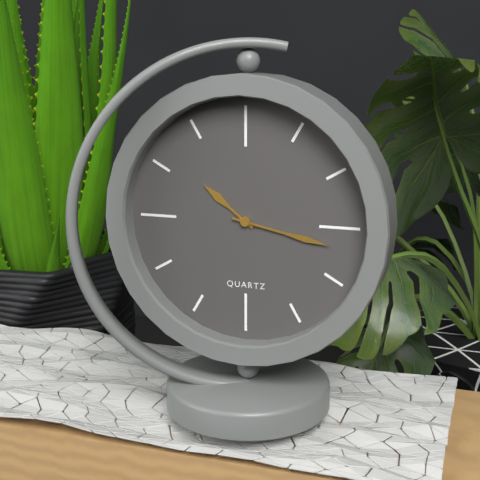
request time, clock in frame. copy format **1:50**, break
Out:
**10:17**
